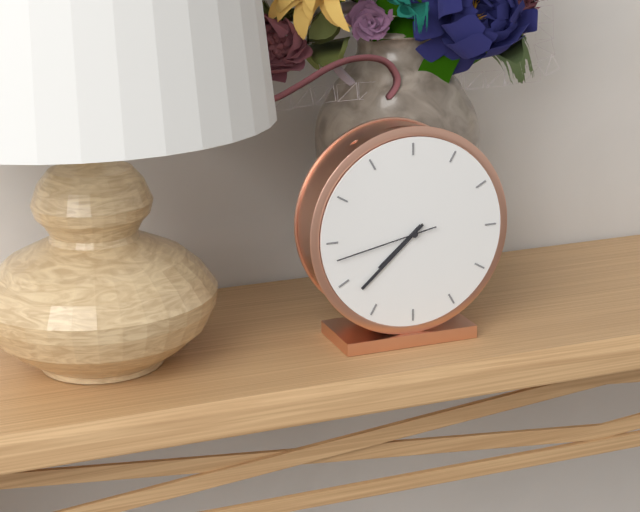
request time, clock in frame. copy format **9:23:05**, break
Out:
**7:38:43**
